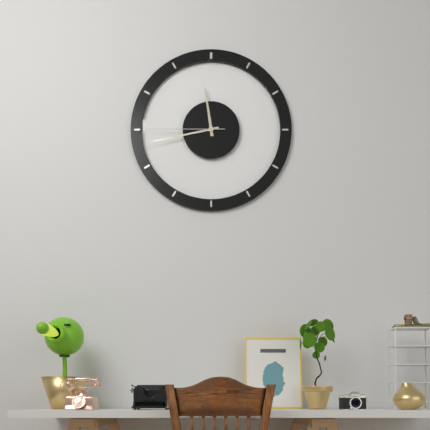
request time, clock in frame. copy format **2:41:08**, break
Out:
**11:43:45**
